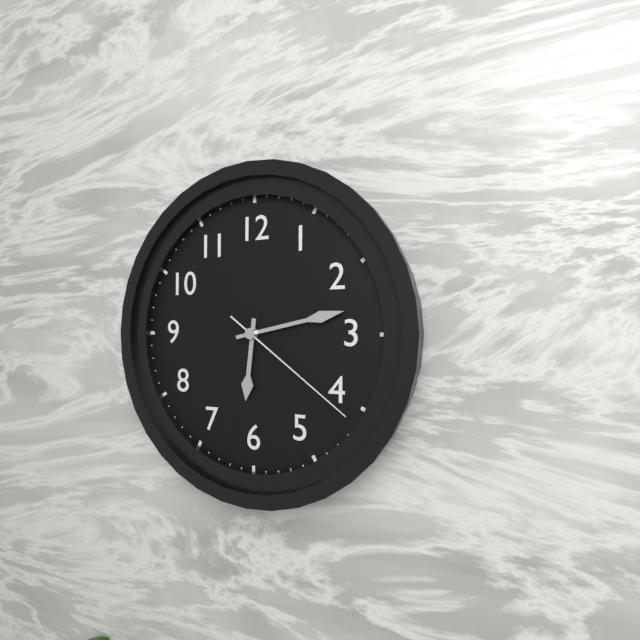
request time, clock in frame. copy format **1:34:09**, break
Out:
**6:13:21**
